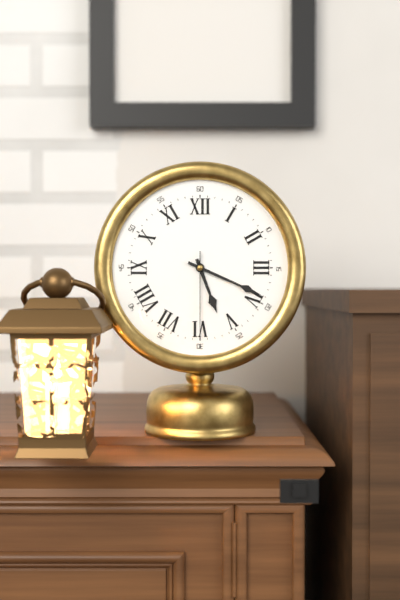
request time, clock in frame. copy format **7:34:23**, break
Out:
**5:19:30**
